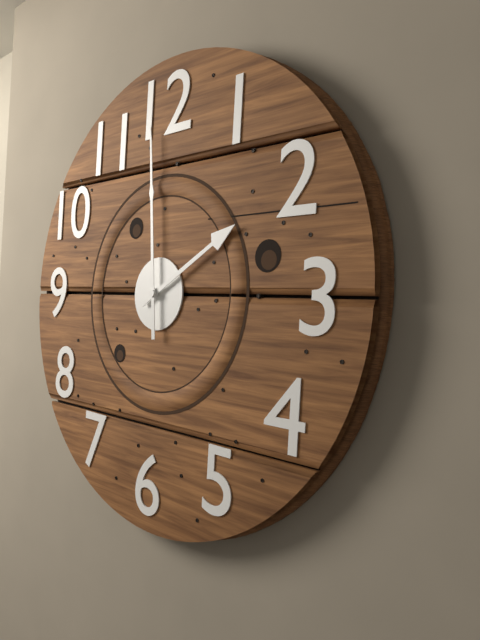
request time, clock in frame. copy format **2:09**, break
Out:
**1:59**
